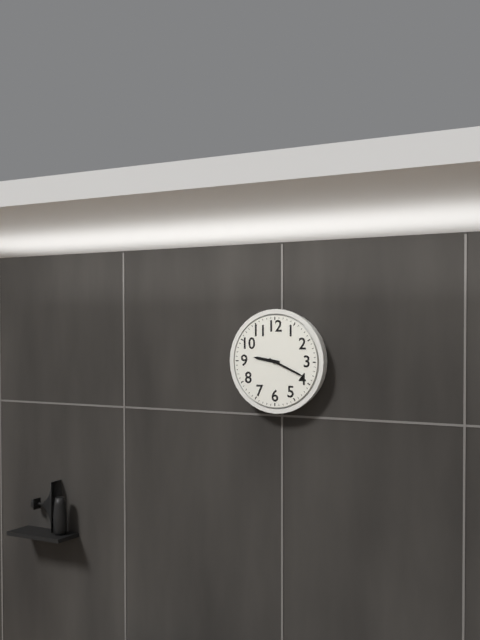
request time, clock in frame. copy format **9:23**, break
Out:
**9:19**
